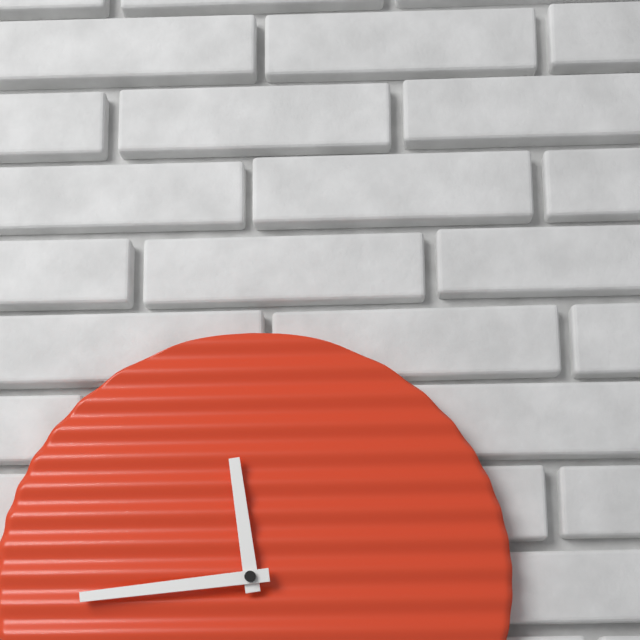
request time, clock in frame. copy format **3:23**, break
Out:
**11:44**
